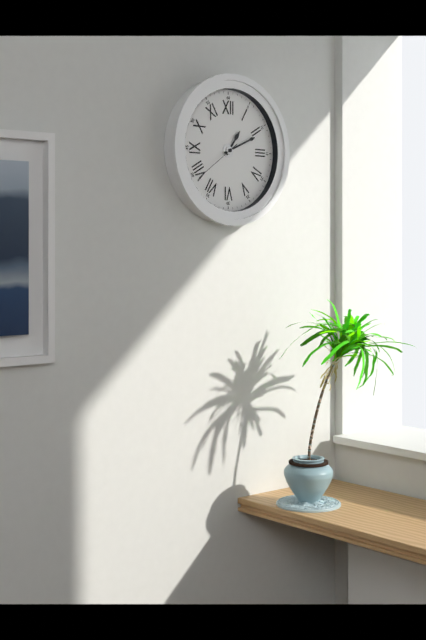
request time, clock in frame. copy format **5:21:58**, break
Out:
**1:11:39**
